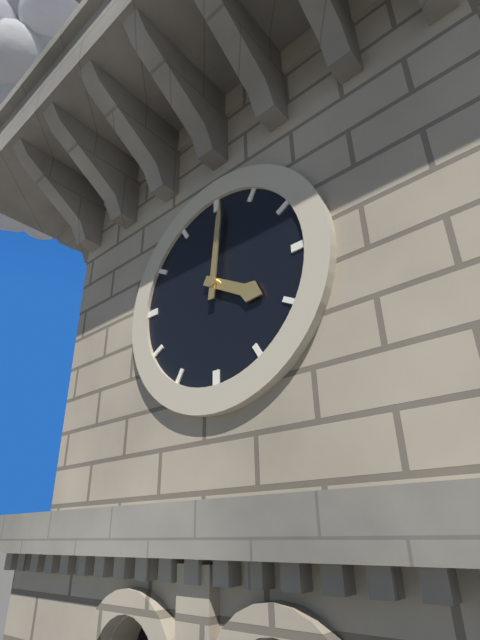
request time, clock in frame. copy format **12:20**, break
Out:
**4:01**
